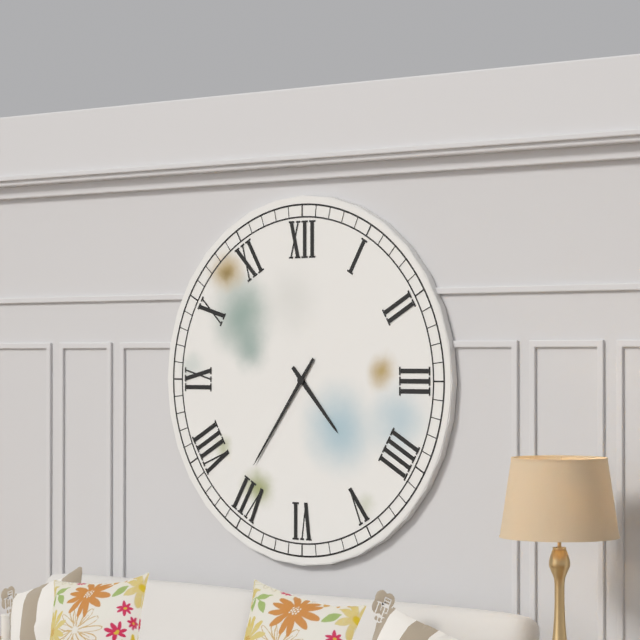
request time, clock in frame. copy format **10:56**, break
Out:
**4:36**
